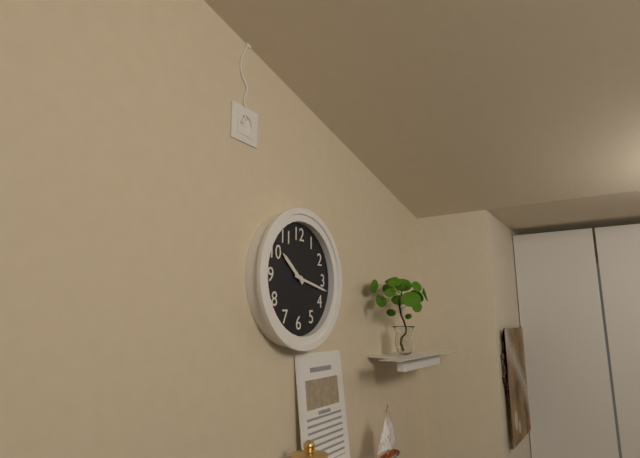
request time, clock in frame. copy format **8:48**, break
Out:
**10:17**
